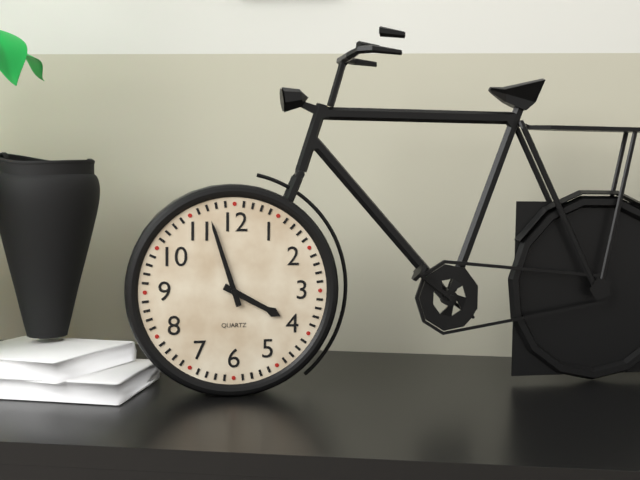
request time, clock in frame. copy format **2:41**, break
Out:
**3:57**
